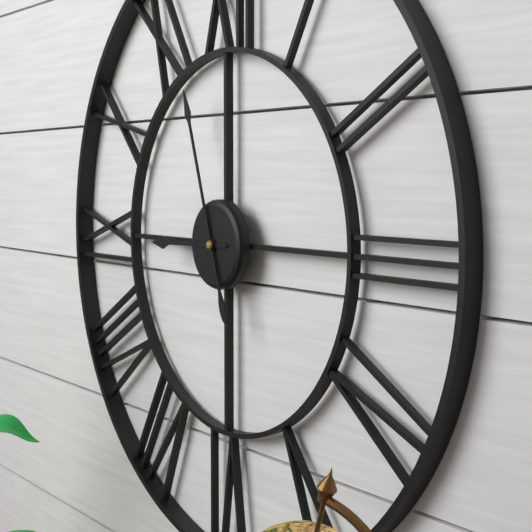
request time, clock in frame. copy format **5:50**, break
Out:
**8:57**
